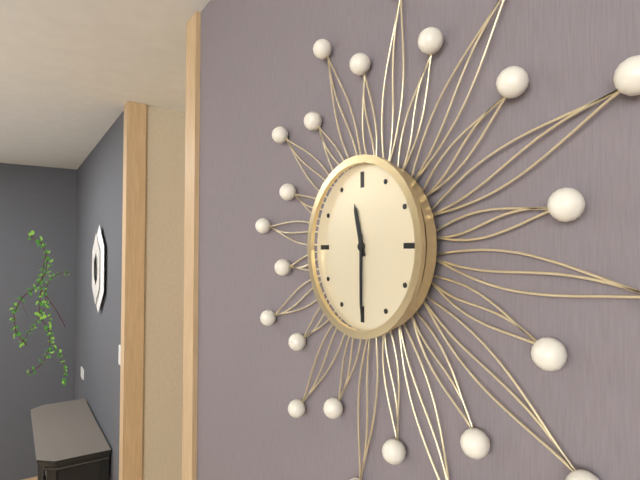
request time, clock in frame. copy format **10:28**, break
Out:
**11:30**
